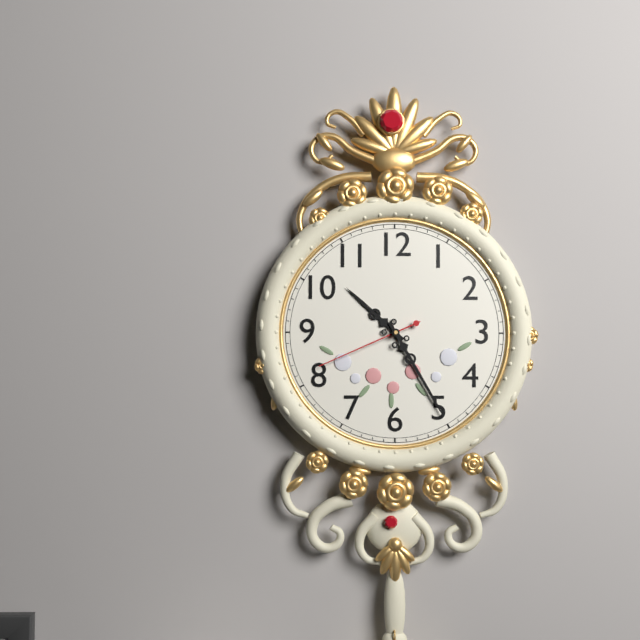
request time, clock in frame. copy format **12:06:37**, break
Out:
**10:25:41**
